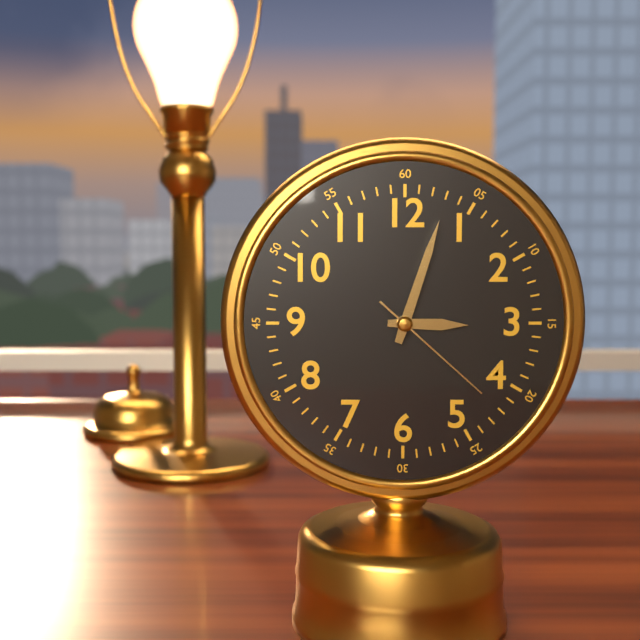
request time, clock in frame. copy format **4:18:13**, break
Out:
**3:03:22**
